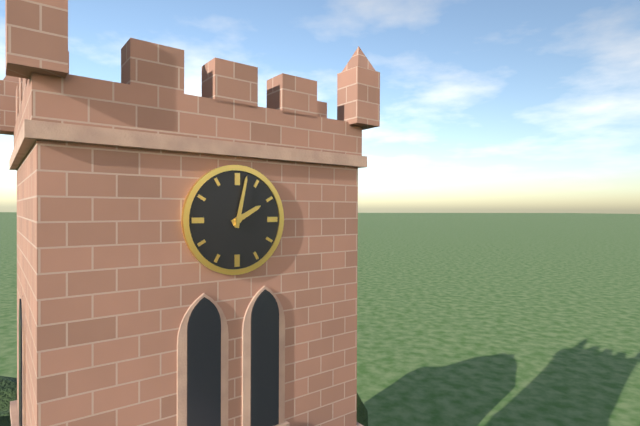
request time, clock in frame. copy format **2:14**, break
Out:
**2:02**
